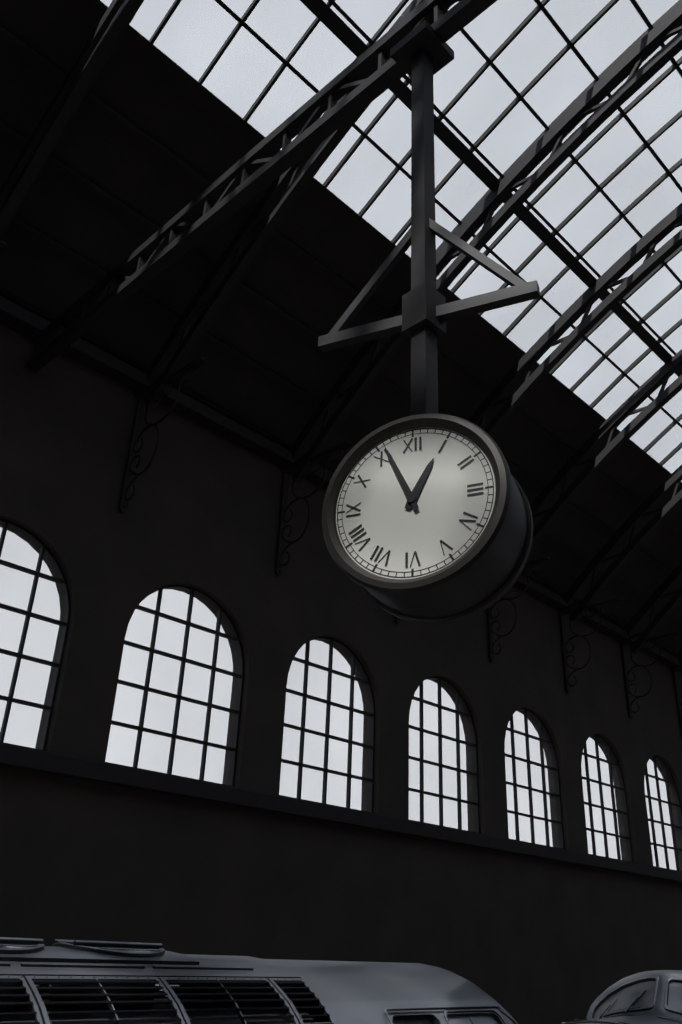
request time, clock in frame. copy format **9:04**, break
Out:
**12:56**
